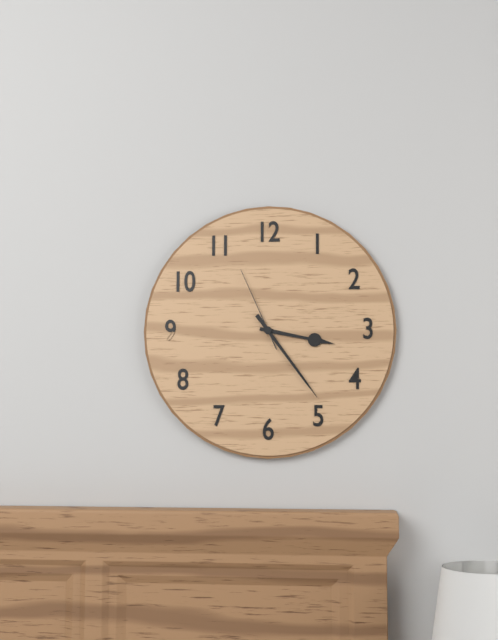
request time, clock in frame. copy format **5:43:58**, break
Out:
**3:24:56**
